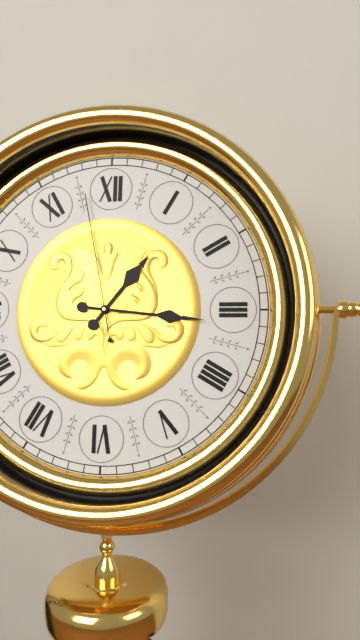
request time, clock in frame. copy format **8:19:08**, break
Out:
**1:16:58**
